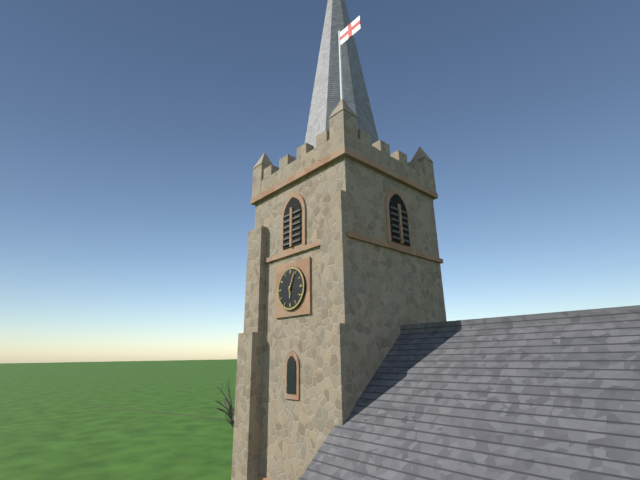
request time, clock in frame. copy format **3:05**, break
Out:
**6:04**
